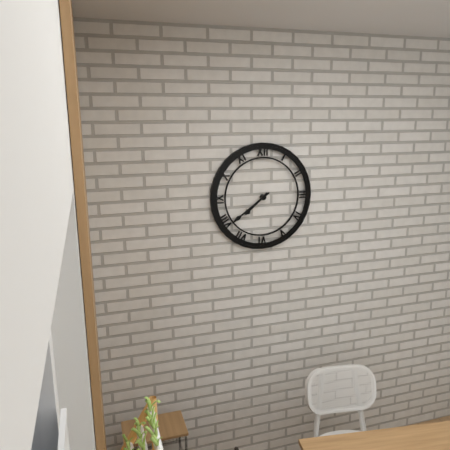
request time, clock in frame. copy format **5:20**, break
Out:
**7:39**
